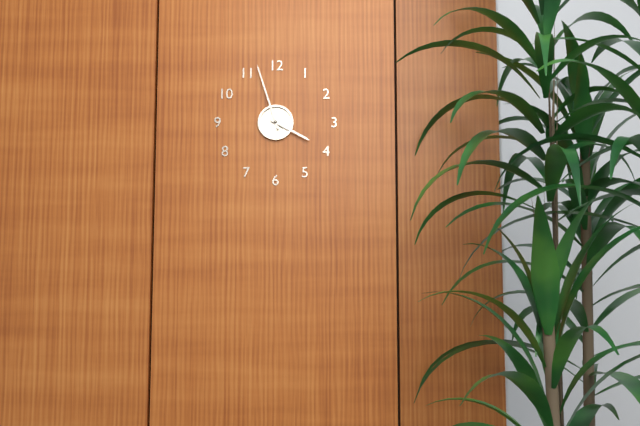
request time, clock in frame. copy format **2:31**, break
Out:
**3:57**
